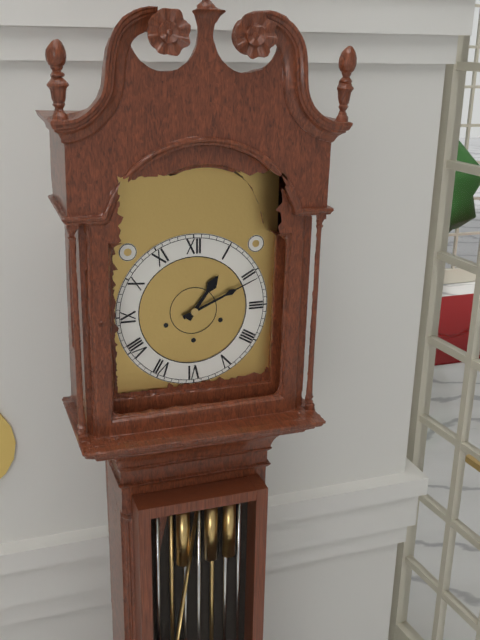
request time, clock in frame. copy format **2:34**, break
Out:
**1:11**
